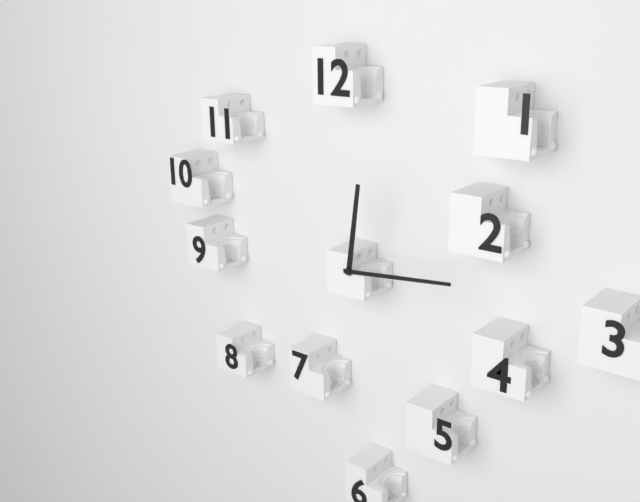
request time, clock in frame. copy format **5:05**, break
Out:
**12:14**
